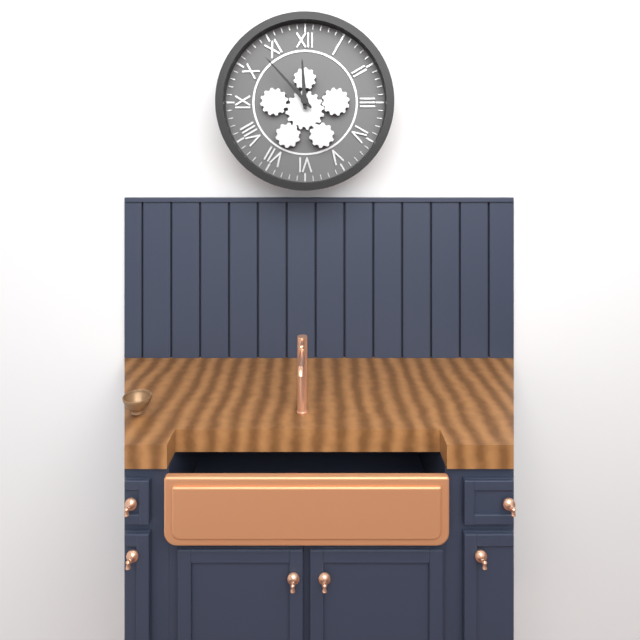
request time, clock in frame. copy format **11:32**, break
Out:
**11:53**
